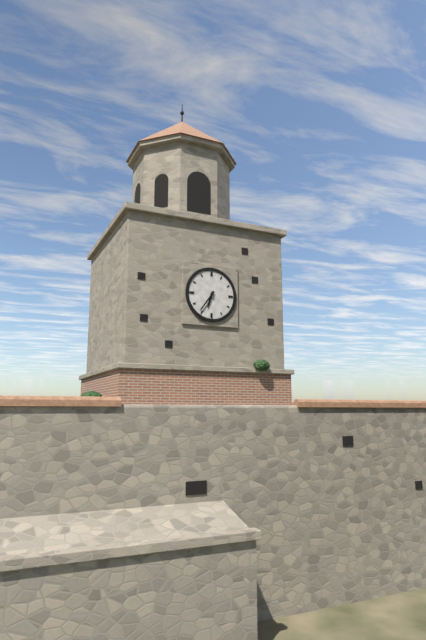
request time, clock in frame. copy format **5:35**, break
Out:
**6:36**
